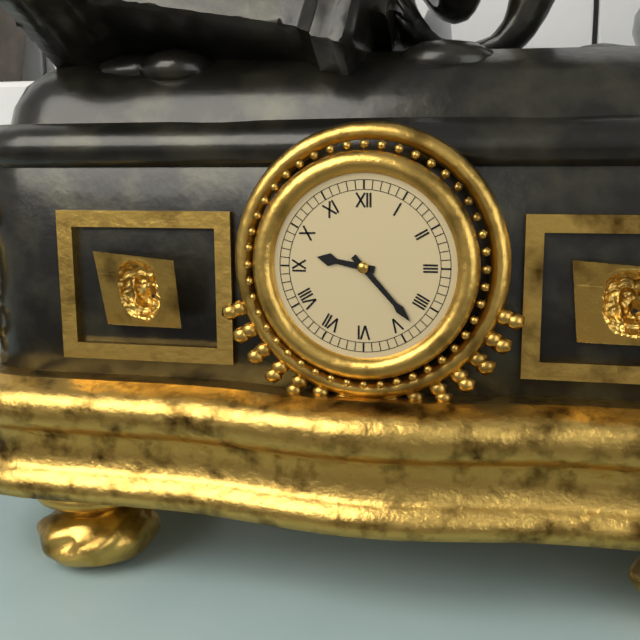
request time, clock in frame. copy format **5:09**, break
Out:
**9:23**
